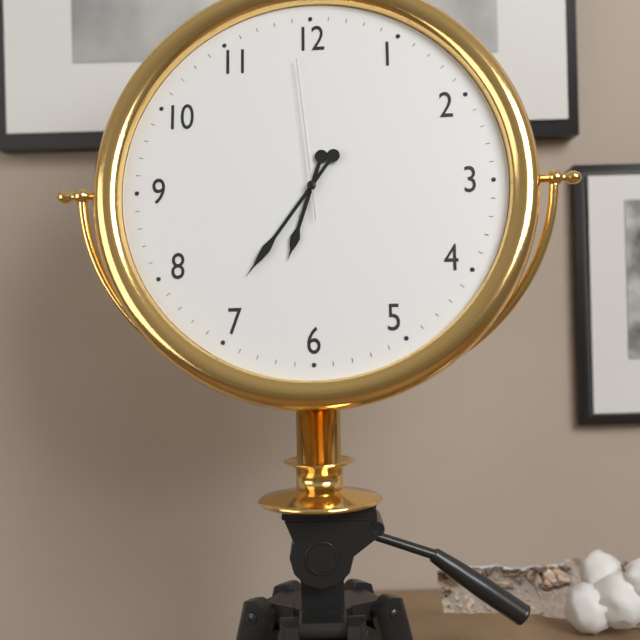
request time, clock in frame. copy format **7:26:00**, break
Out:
**6:36:59**
